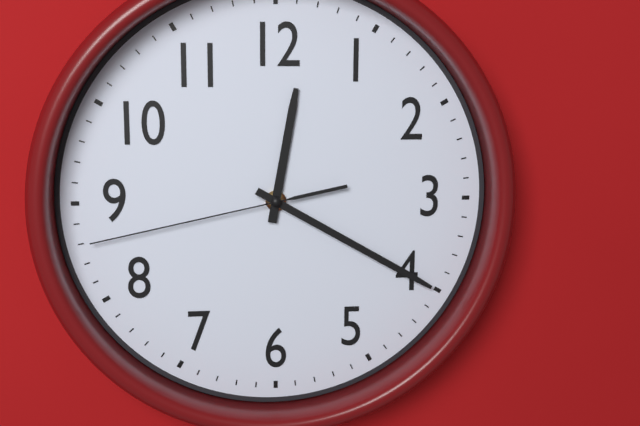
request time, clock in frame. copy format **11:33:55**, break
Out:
**12:20:43**
